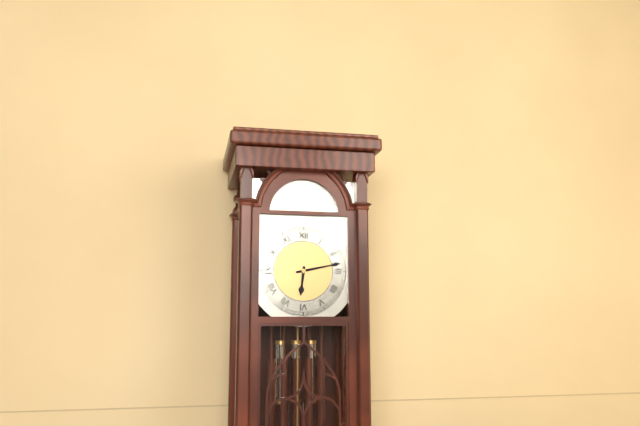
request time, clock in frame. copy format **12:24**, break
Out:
**6:13**
